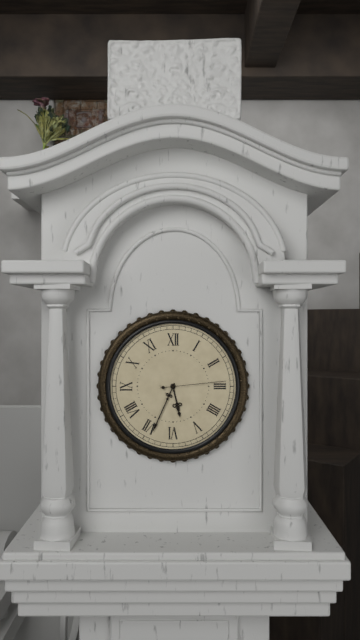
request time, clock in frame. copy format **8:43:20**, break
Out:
**5:34:14**
